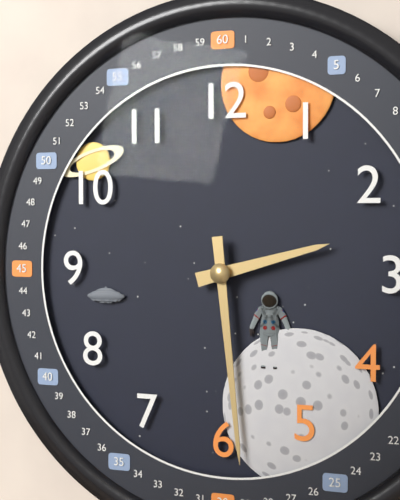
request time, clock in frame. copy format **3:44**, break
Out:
**2:29**
